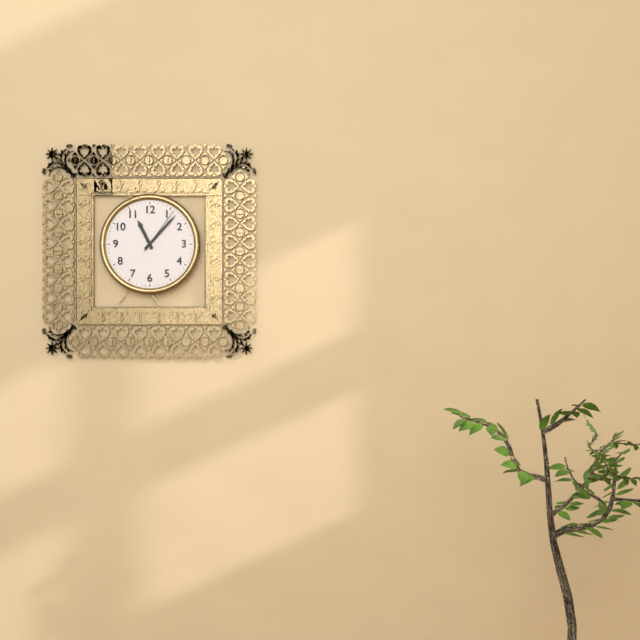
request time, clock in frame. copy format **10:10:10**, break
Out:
**11:07:06**
